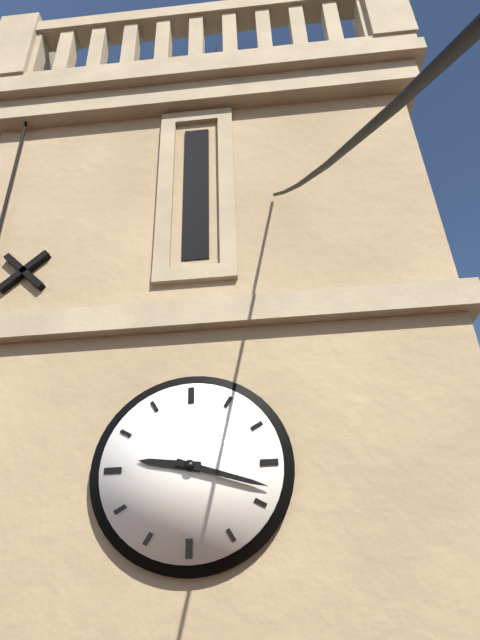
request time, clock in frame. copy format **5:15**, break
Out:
**9:18**
